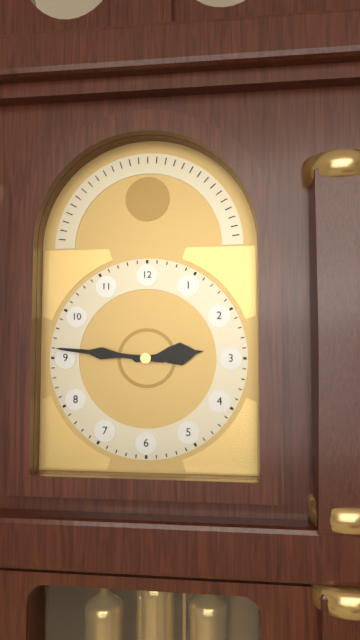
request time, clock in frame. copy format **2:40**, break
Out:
**2:46**
